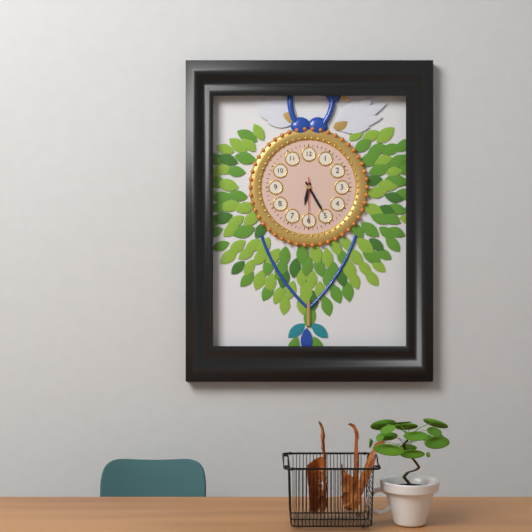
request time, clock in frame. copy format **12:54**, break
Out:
**6:25**
